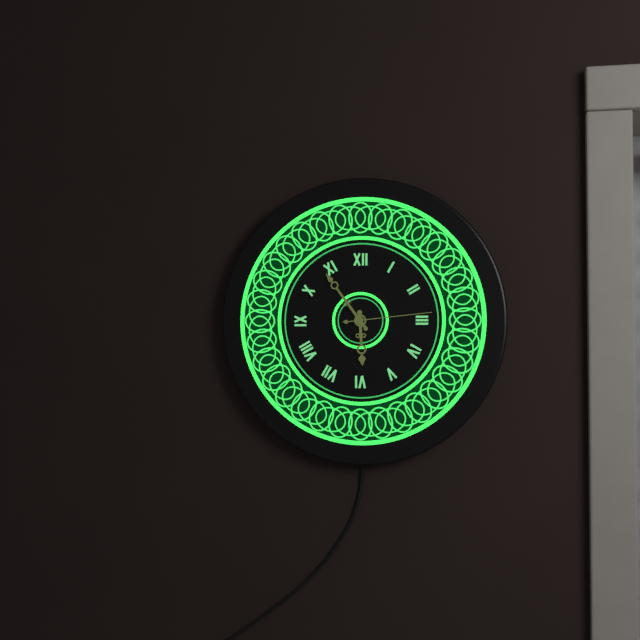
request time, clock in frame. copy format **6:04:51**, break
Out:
**5:54:14**
